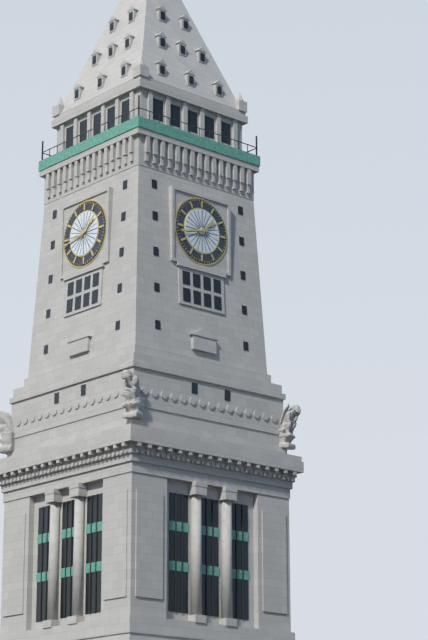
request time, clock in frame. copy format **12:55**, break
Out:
**1:43**
